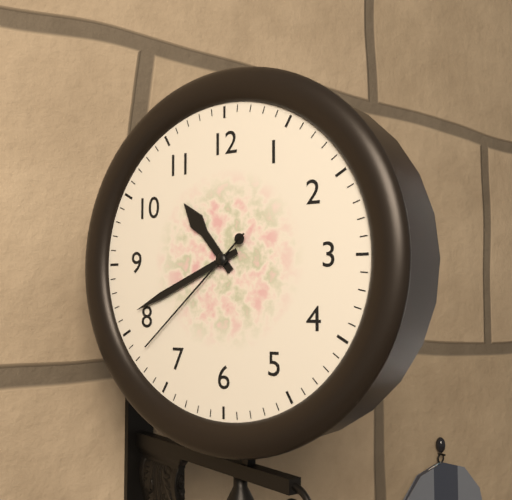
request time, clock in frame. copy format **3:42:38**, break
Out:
**10:41:38**
